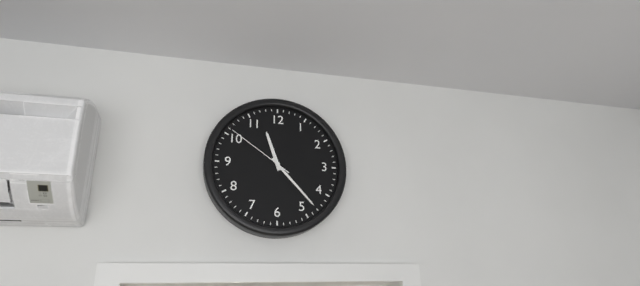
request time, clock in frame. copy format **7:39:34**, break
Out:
**11:23:51**
